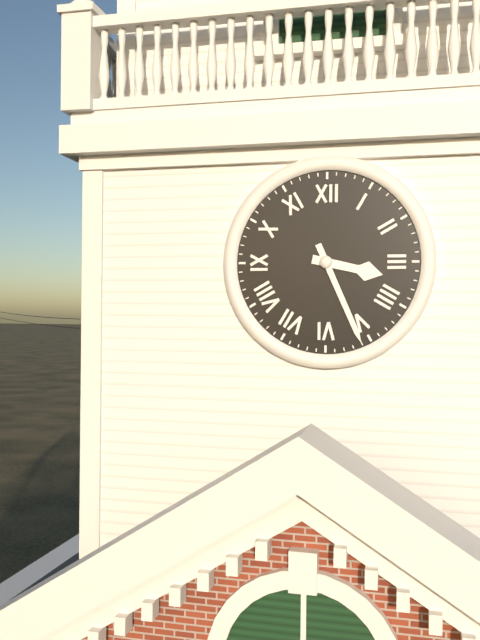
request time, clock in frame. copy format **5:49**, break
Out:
**3:26**
